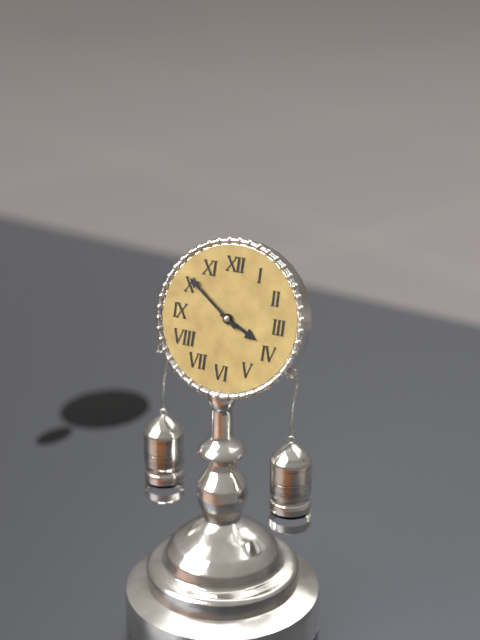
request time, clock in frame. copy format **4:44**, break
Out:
**3:51**
